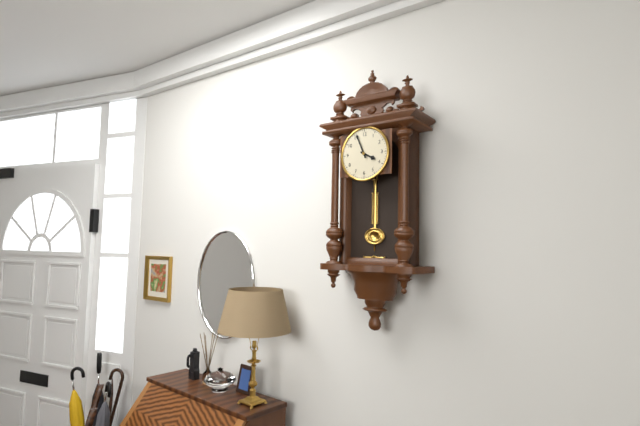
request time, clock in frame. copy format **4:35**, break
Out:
**3:56**
